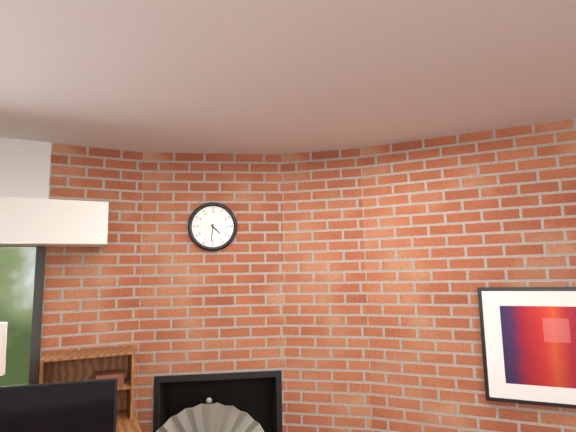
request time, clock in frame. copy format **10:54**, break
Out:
**4:31**
